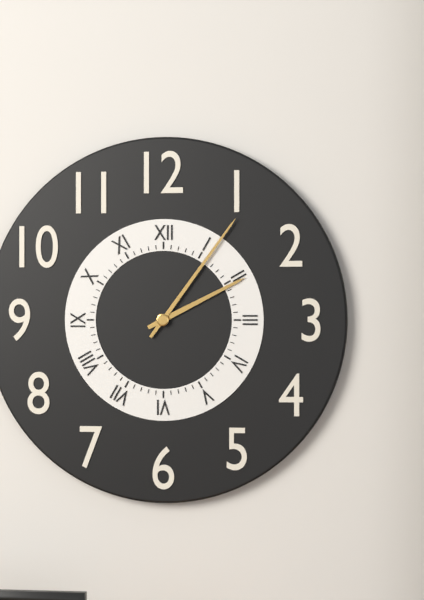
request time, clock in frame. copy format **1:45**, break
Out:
**2:06**
